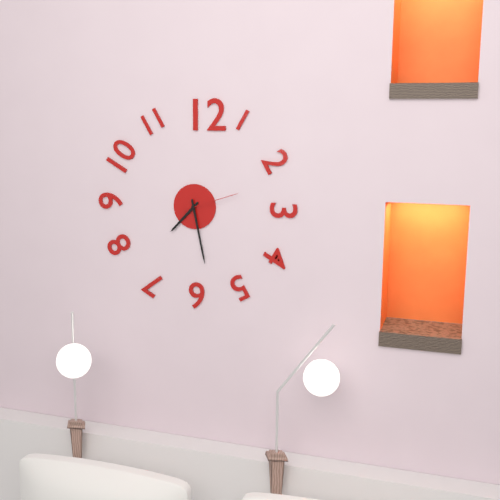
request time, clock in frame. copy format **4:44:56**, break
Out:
**7:28:12**
